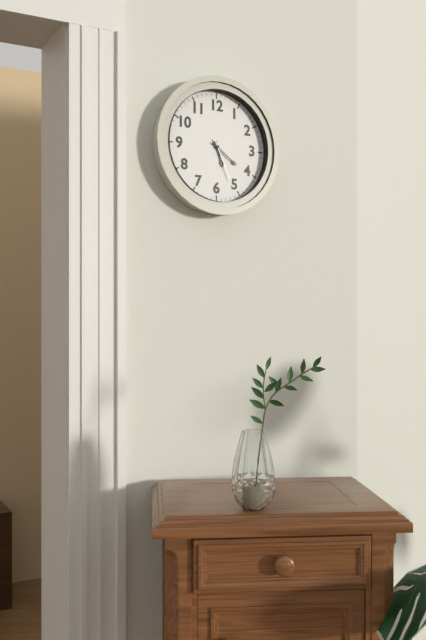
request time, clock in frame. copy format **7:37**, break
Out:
**5:21**
